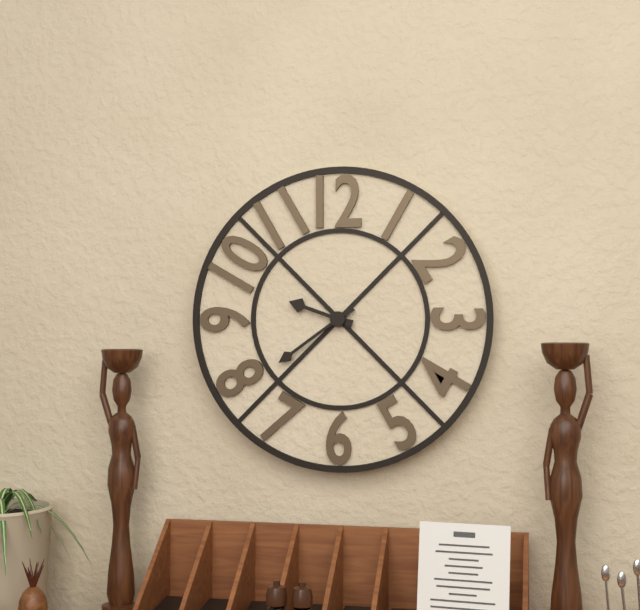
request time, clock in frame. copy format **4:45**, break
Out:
**9:39**
